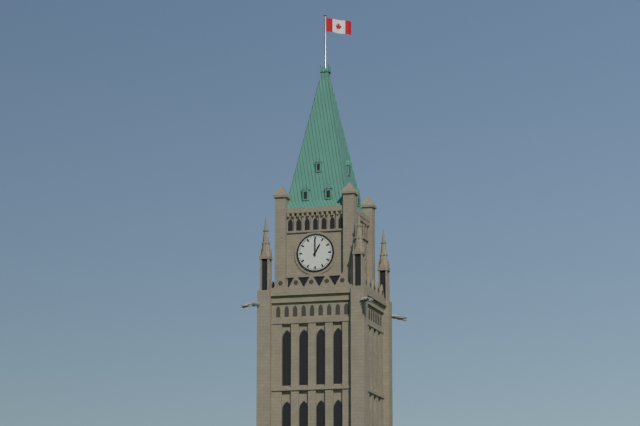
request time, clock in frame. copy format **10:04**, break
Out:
**1:00**
